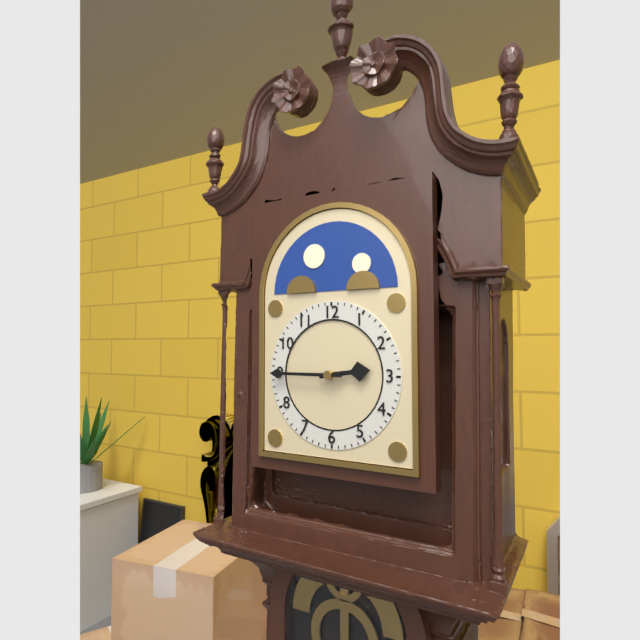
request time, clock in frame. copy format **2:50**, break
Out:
**2:45**
